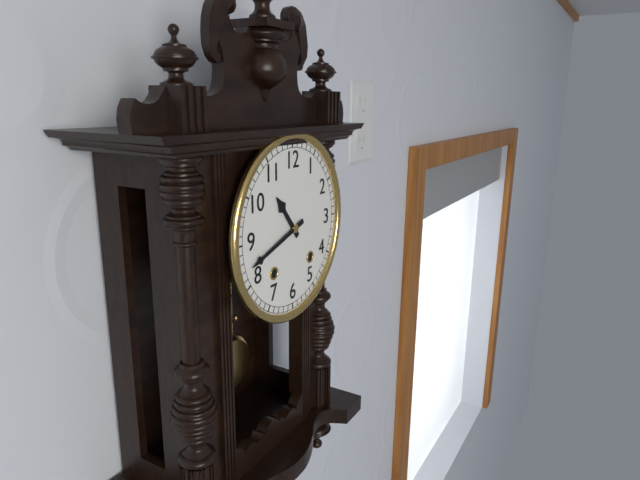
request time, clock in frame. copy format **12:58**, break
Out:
**10:42**
